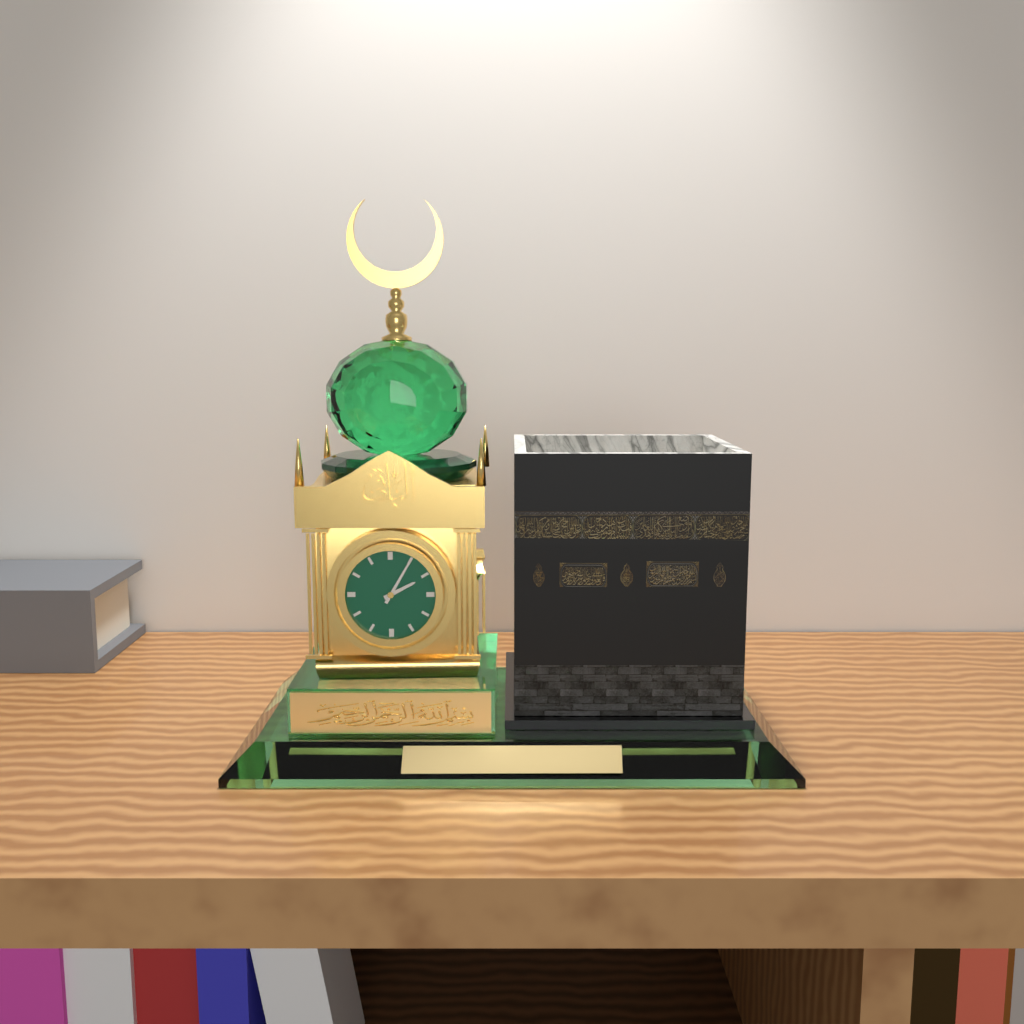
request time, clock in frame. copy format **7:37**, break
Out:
**2:05**
